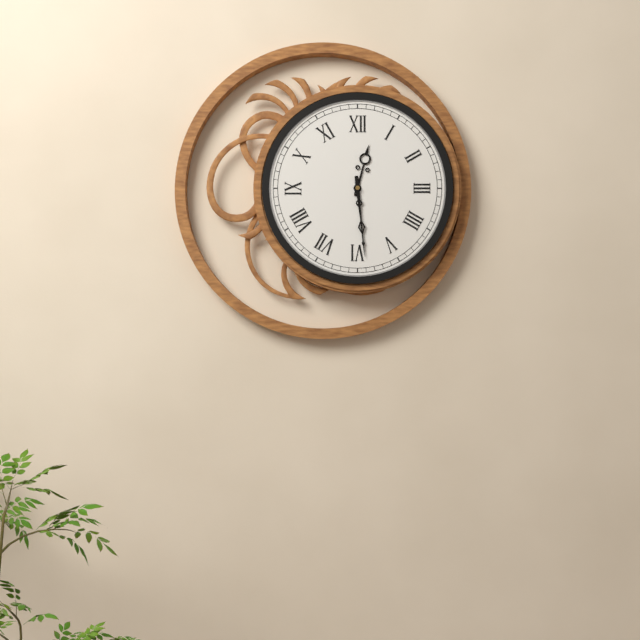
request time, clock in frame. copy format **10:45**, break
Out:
**12:29**
